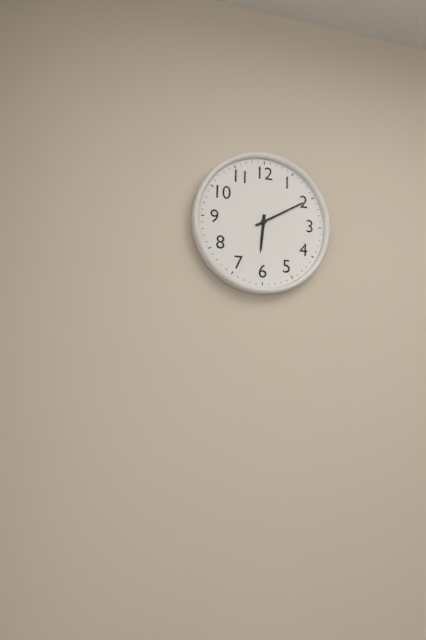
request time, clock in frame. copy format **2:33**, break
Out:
**6:10**
